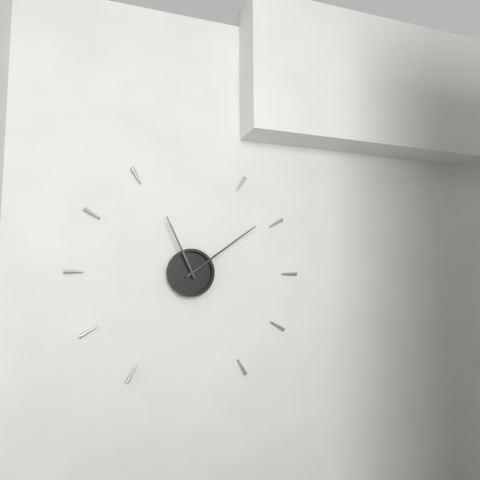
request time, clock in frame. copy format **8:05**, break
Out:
**11:09**
